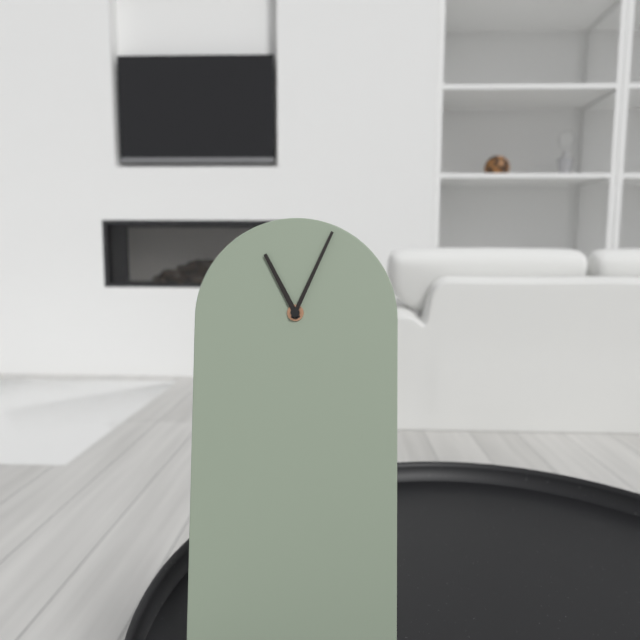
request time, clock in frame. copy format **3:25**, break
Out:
**11:04**
